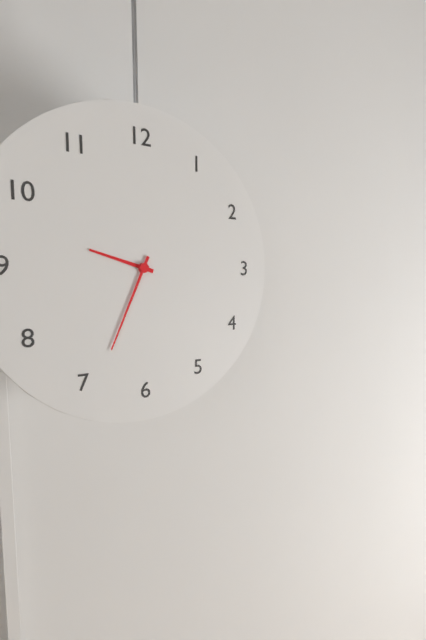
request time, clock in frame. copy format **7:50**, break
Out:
**9:34**
